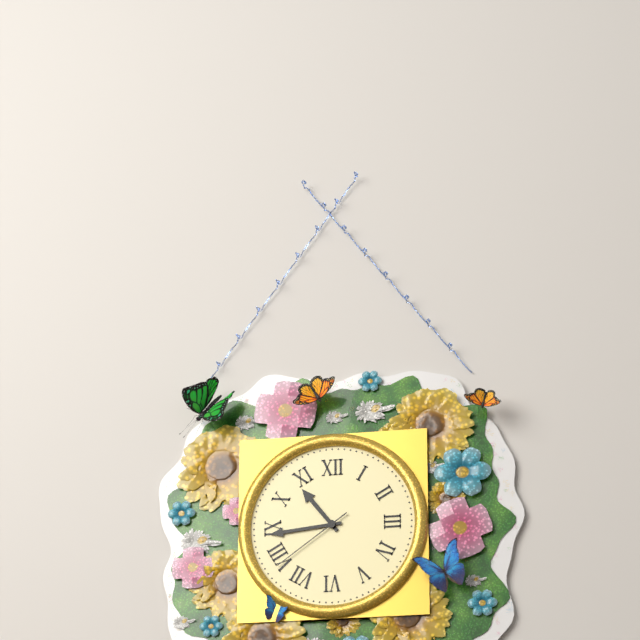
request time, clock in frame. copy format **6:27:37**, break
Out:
**10:44:39**
